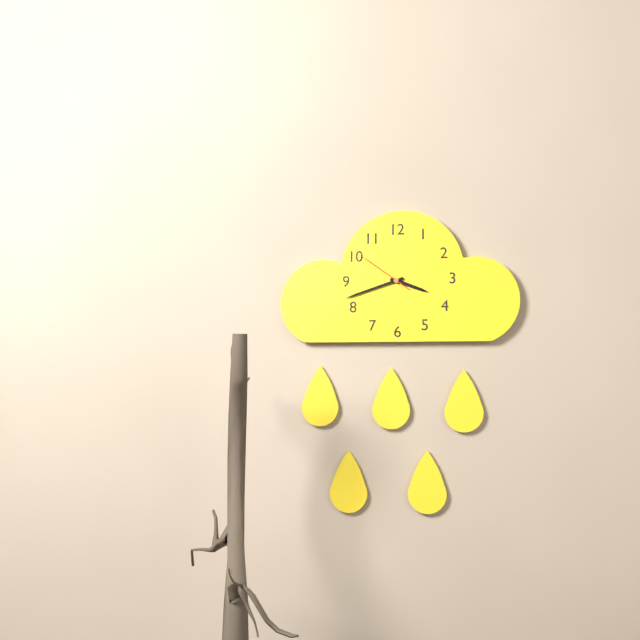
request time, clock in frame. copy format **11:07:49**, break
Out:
**3:42:51**
